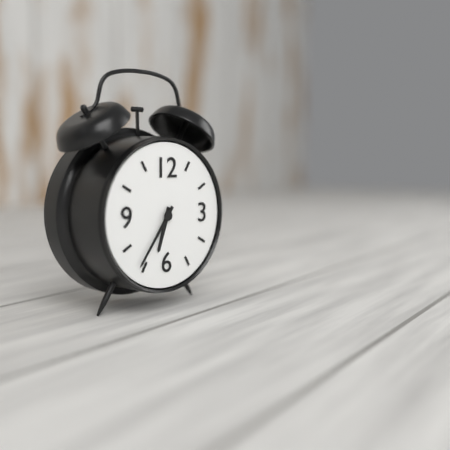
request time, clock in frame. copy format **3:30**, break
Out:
**6:36**
